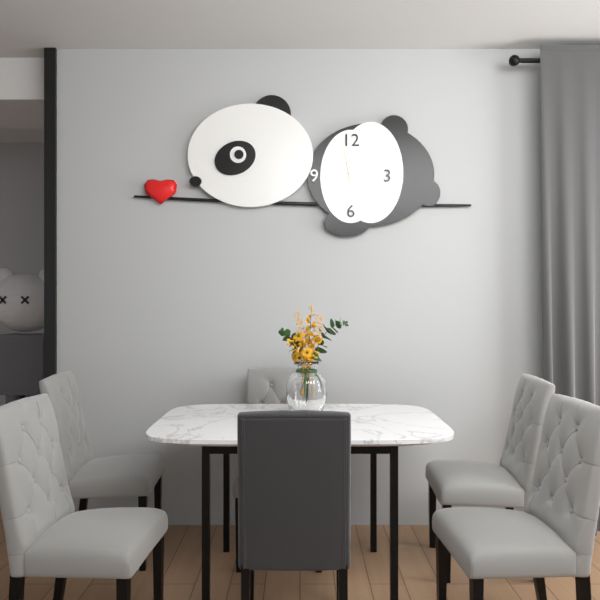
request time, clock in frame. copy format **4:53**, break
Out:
**11:58**
